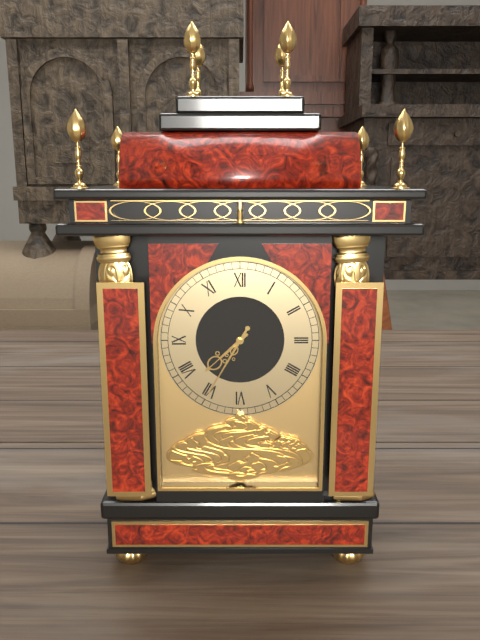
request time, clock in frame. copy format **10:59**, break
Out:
**7:35**
